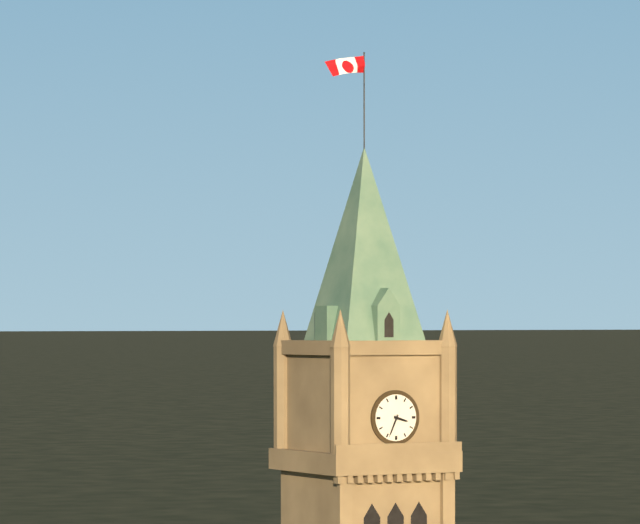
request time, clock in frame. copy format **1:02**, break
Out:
**3:34**
